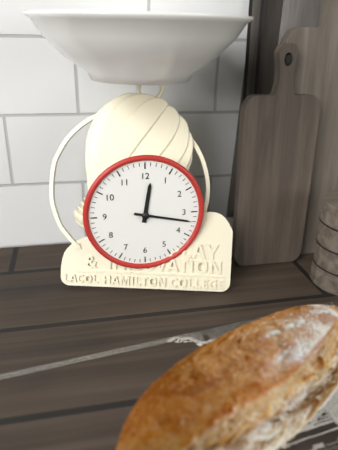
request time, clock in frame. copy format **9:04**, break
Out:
**12:17**
